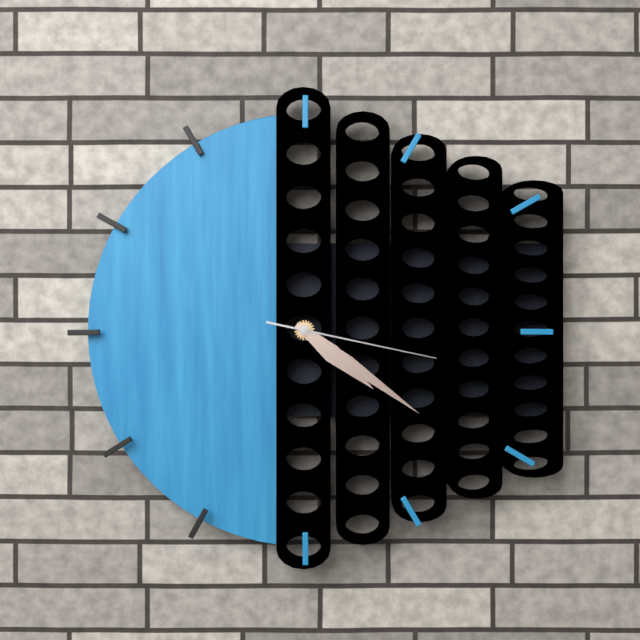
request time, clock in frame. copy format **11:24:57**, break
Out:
**4:21:17**
